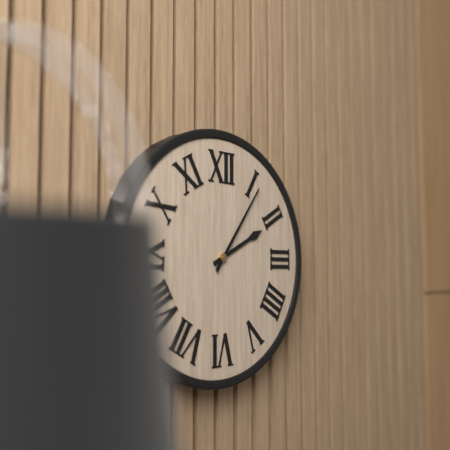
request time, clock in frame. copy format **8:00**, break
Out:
**2:06**
